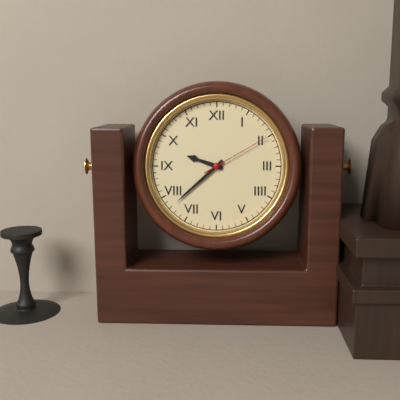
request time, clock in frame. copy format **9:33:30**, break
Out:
**9:38:10**
